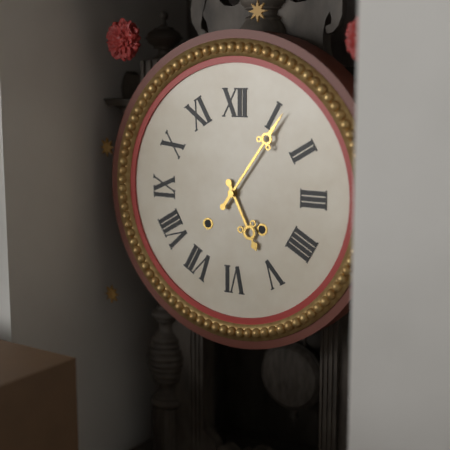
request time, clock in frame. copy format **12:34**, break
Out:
**5:06**
